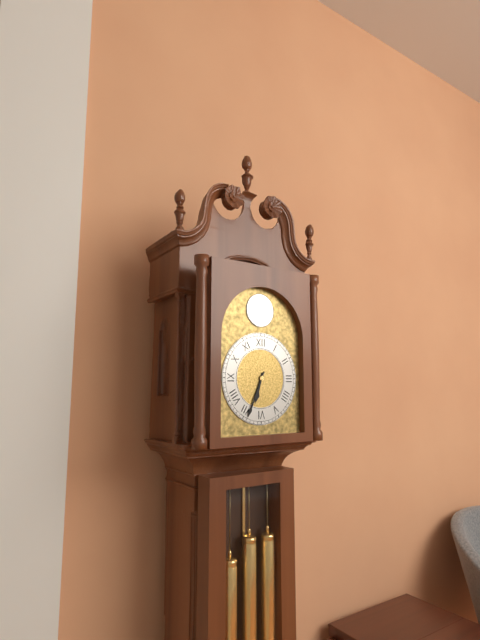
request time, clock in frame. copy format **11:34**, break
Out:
**6:34**
